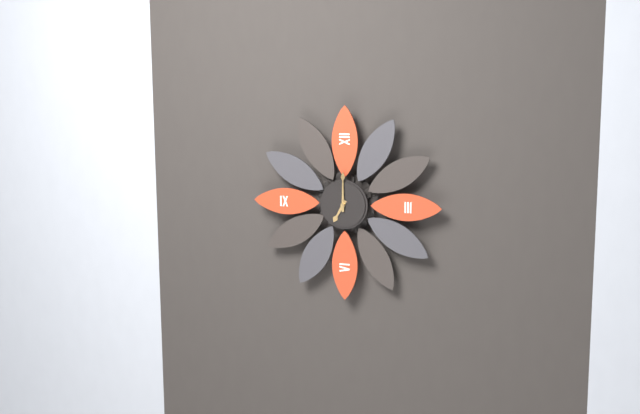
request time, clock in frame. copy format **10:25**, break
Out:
**7:00**
